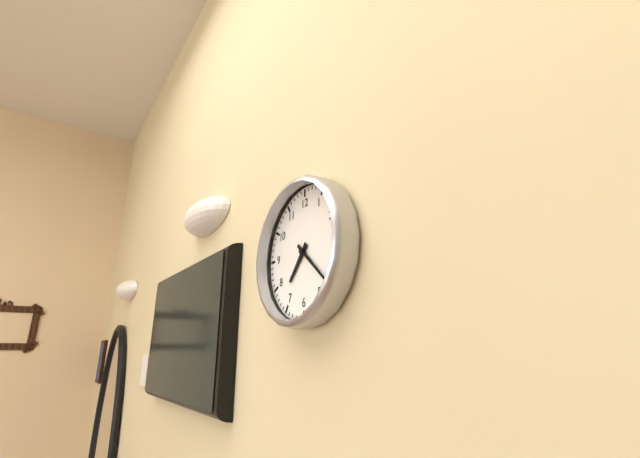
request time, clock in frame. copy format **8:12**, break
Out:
**7:22**
